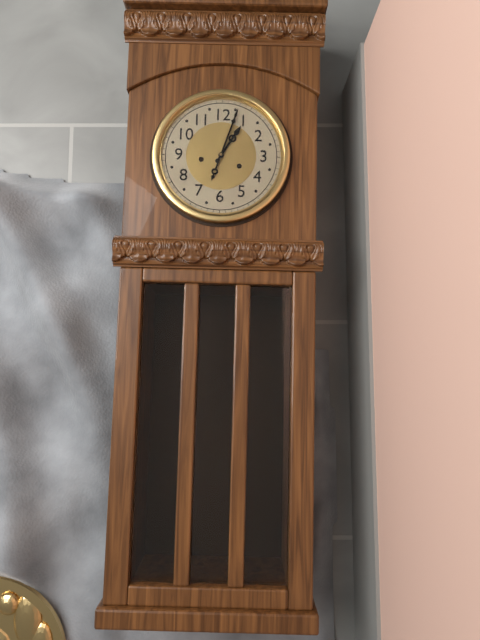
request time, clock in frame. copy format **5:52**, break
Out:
**1:03**
